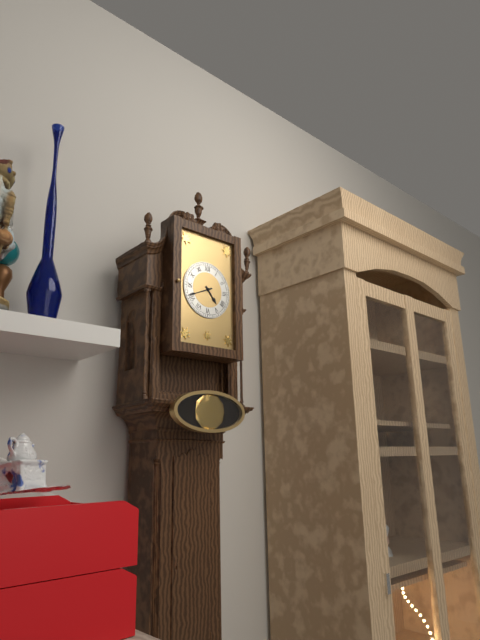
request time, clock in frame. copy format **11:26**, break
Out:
**4:41**
